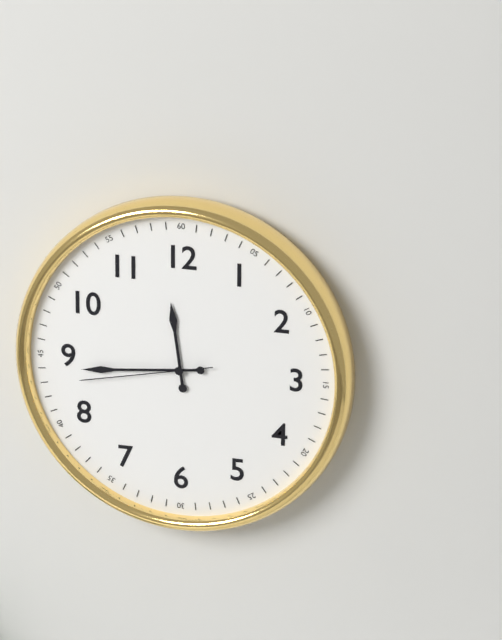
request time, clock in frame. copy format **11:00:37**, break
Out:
**11:44:43**
